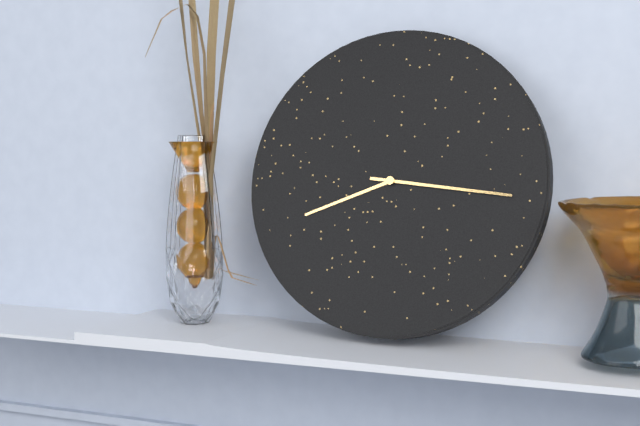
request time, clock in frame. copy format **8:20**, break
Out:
**8:16**
